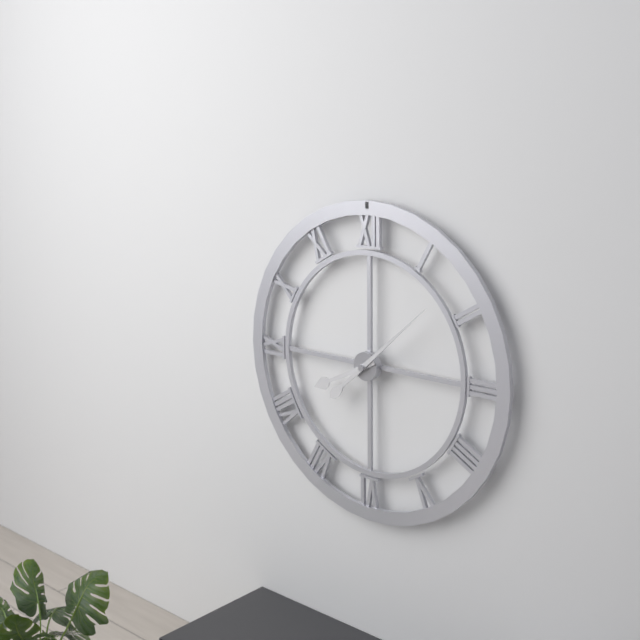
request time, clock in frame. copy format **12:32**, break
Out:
**8:08**
